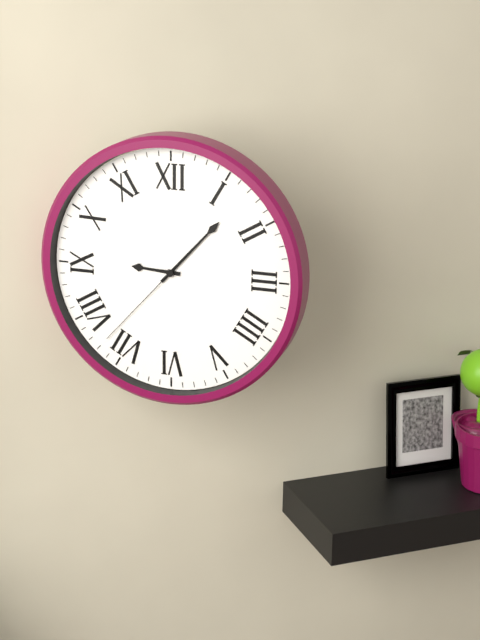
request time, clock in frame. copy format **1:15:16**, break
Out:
**9:07:37**
